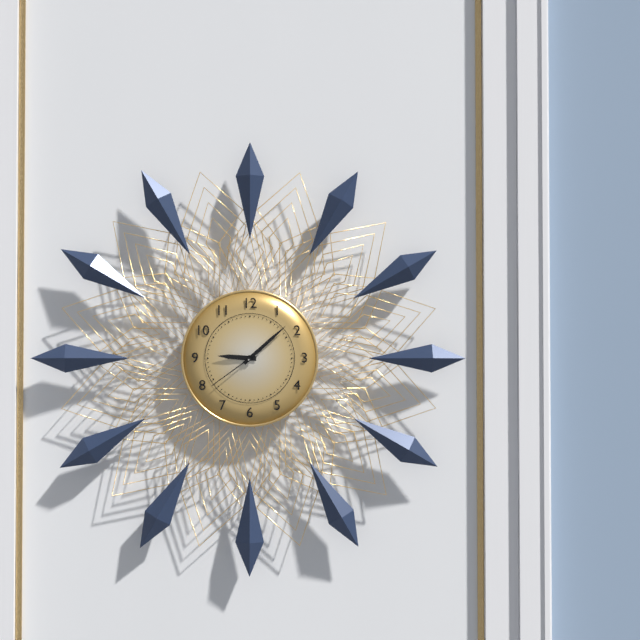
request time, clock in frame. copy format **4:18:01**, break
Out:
**9:08:39**
